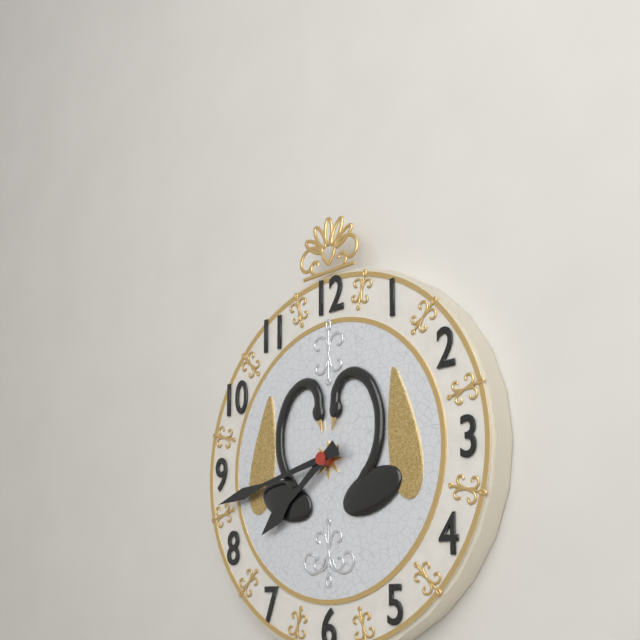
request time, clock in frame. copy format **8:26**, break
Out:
**7:43**
